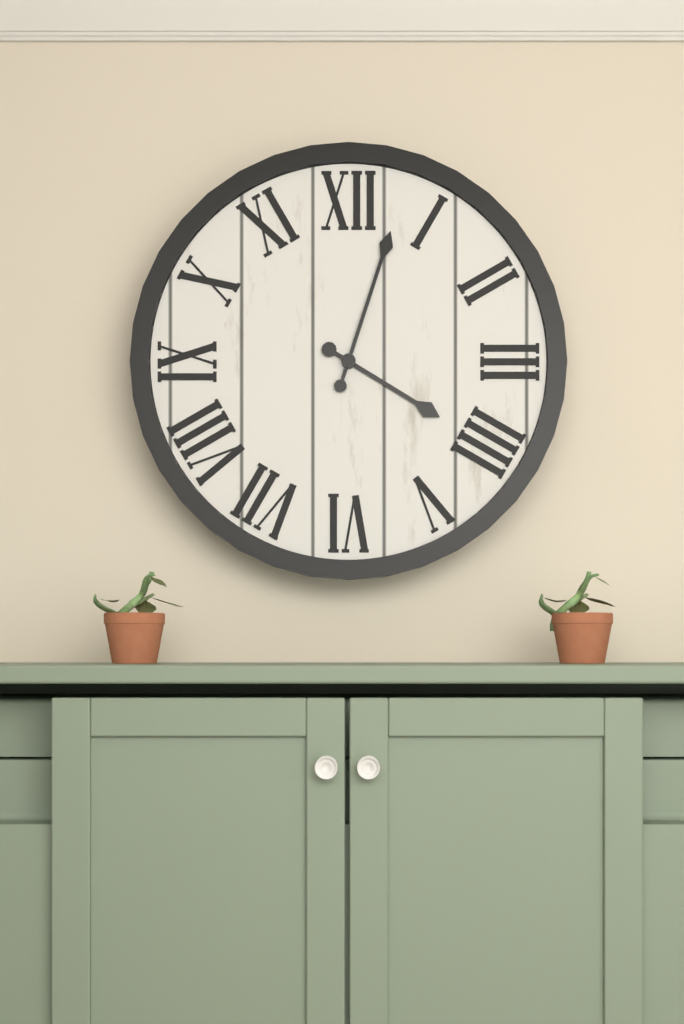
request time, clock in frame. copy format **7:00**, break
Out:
**4:03**
